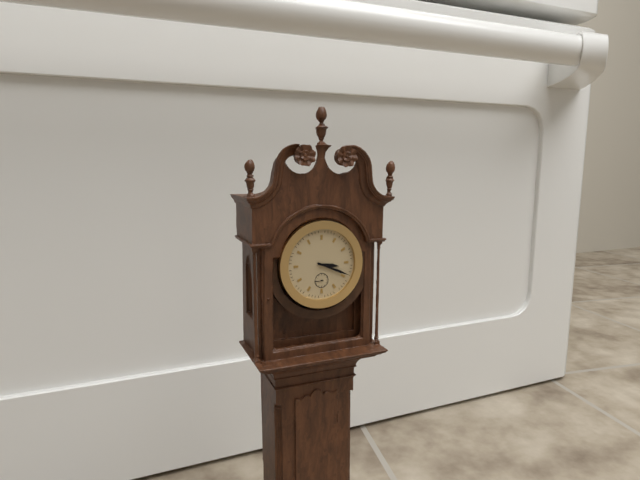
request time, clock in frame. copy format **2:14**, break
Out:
**3:19**
